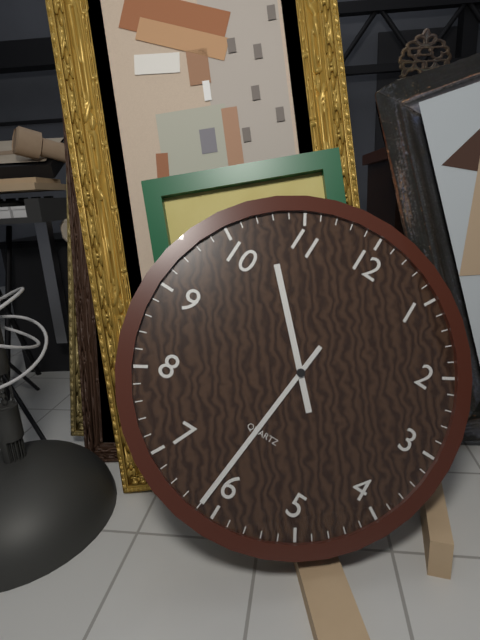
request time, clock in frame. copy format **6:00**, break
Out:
**10:31**
